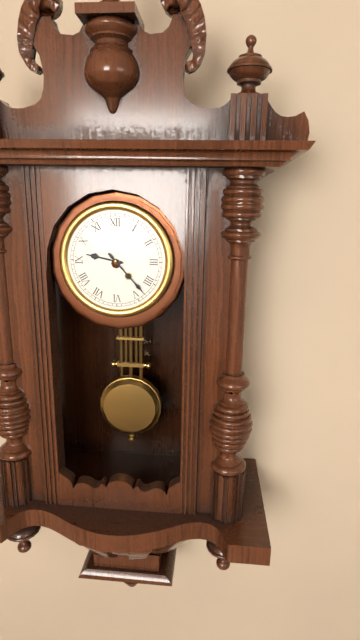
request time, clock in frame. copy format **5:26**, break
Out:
**9:23**
